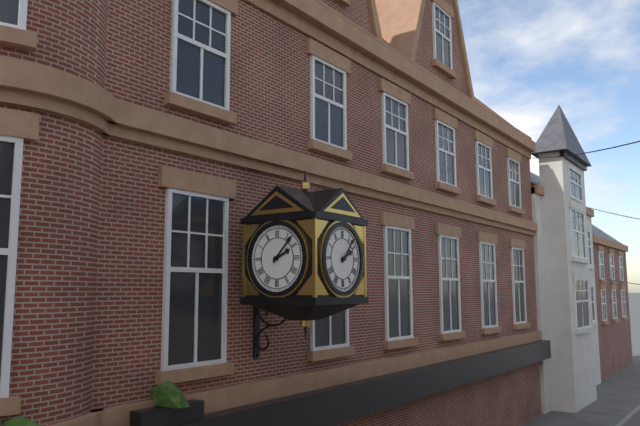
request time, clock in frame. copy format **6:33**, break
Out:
**2:07**
